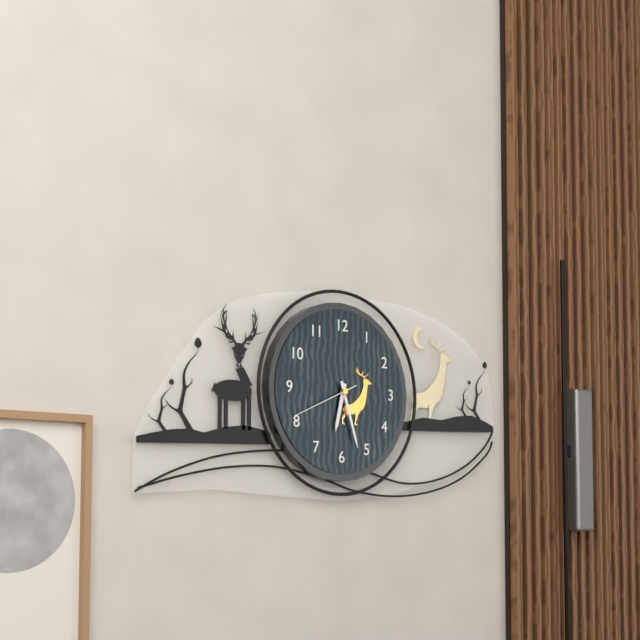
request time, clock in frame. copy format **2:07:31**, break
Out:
**6:27:41**
